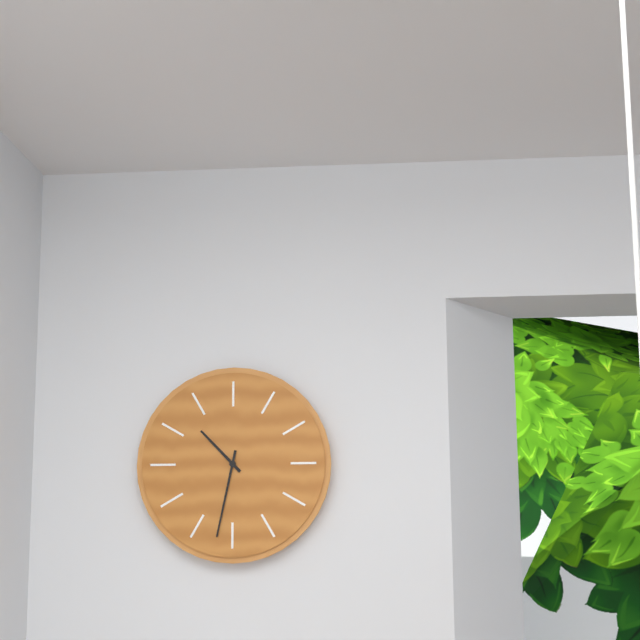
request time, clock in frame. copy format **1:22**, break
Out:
**10:32**
